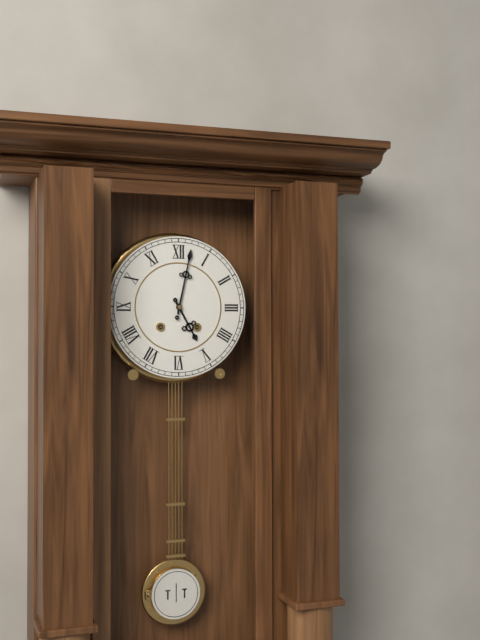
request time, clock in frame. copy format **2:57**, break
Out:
**5:02**
